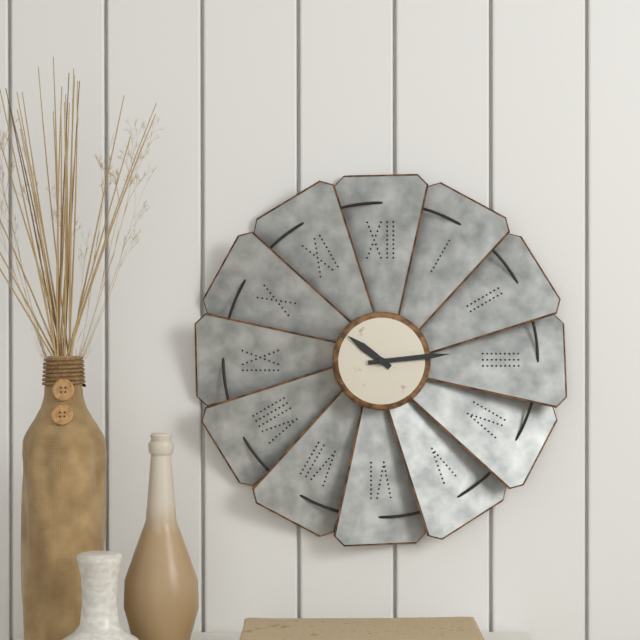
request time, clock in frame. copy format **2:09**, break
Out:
**10:14**
